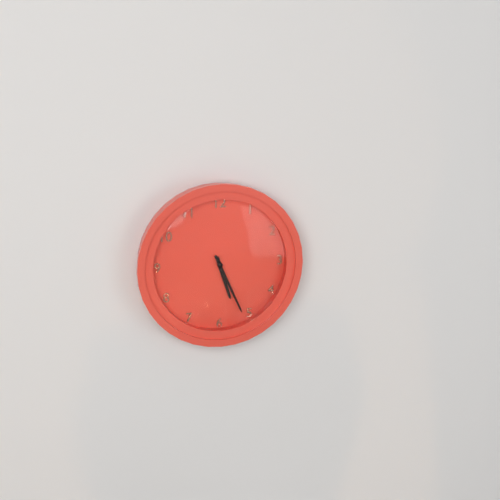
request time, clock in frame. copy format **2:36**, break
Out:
**5:26**
